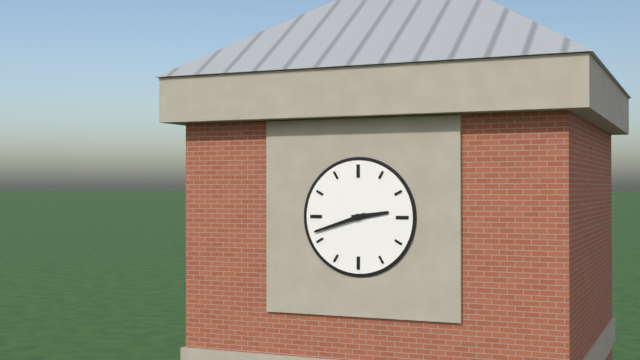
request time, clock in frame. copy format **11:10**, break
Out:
**2:42**
